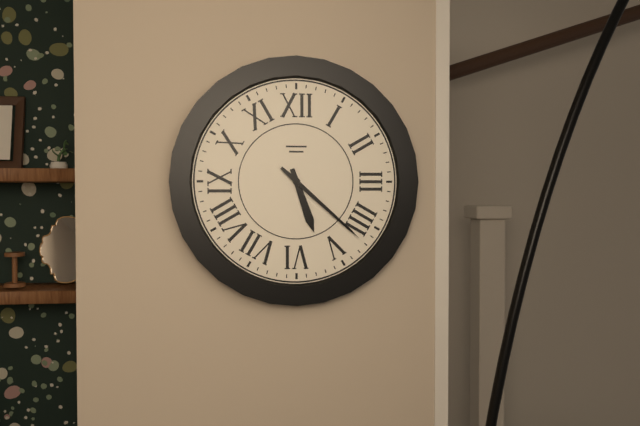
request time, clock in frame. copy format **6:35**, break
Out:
**5:22**
